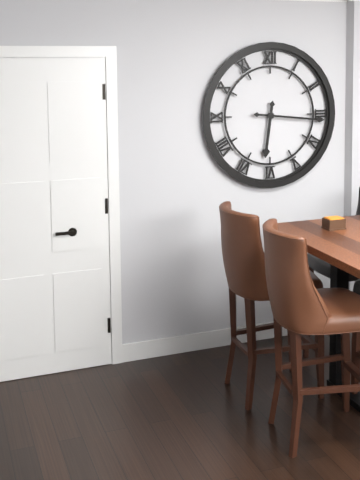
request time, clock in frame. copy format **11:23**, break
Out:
**6:16**
